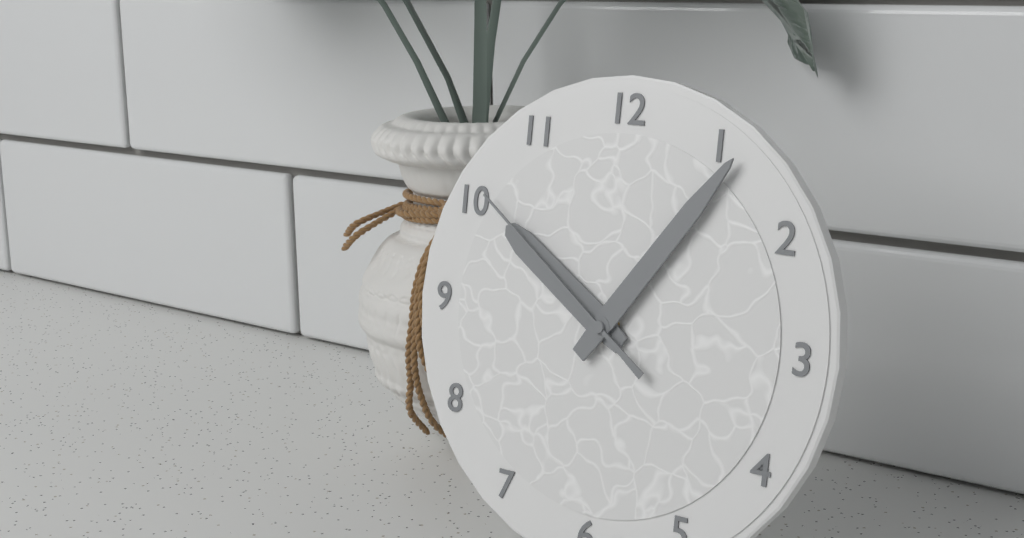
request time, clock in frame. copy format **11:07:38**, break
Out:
**10:06:51**
